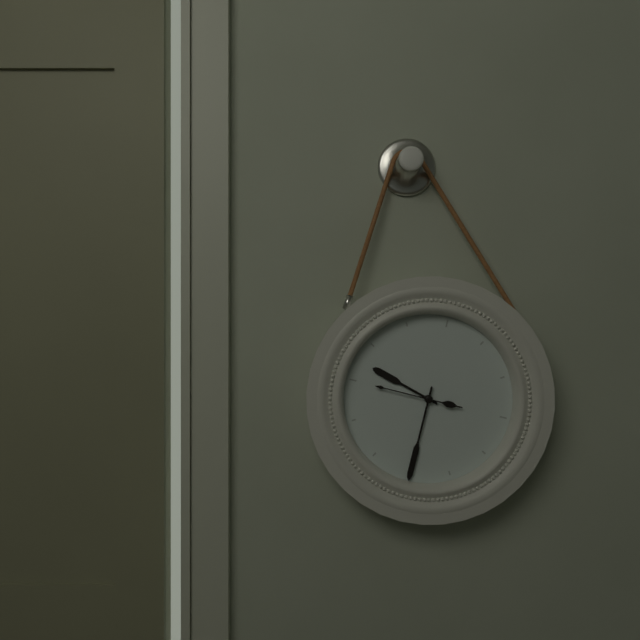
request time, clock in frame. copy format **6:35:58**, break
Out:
**9:30:45**
